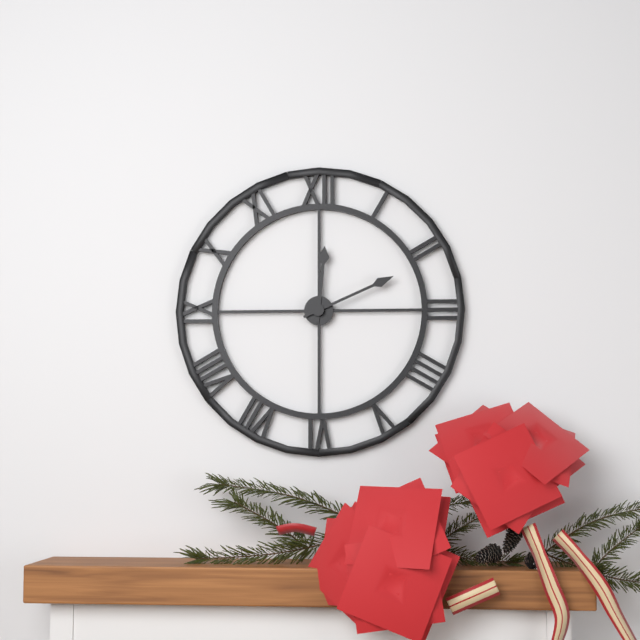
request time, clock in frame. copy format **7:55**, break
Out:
**12:11**
